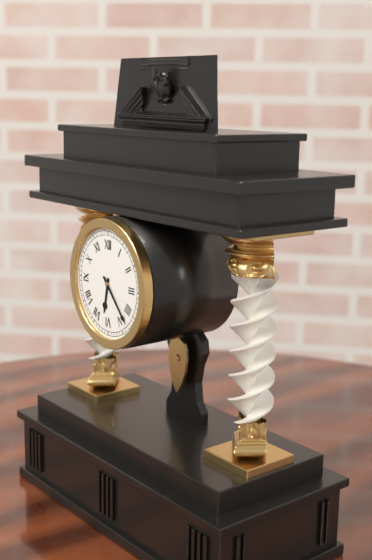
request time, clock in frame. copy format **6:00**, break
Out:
**6:23**
